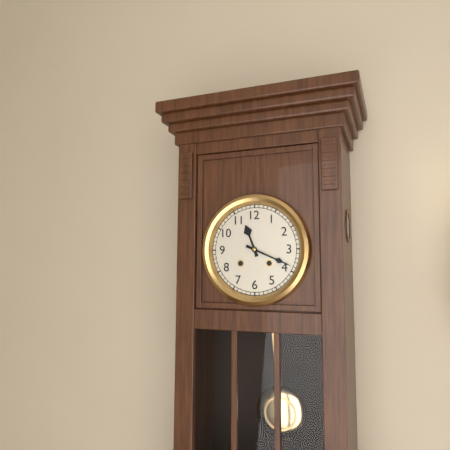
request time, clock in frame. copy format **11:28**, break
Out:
**11:19**
